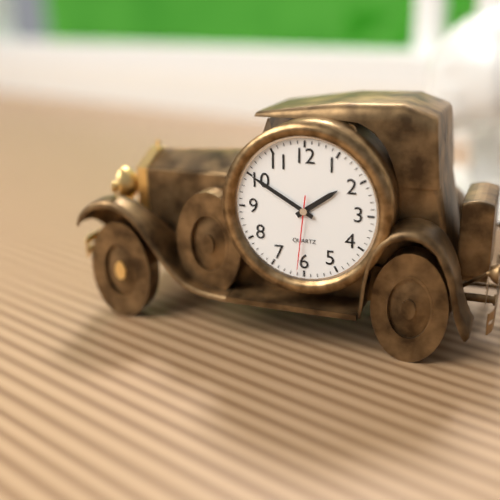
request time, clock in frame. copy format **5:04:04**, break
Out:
**1:50:31**
